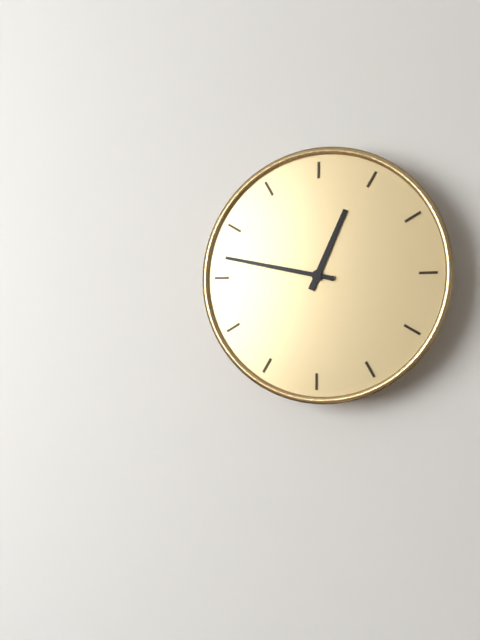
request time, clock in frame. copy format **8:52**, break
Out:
**12:47**
